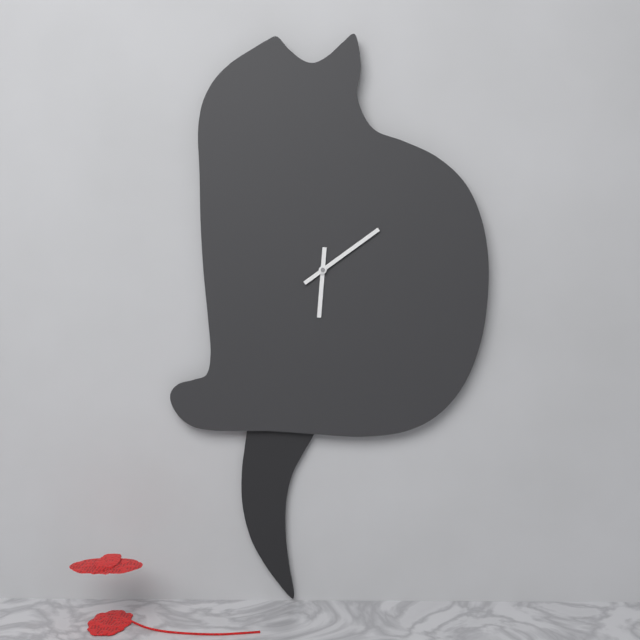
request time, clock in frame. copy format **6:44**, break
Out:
**6:09**
